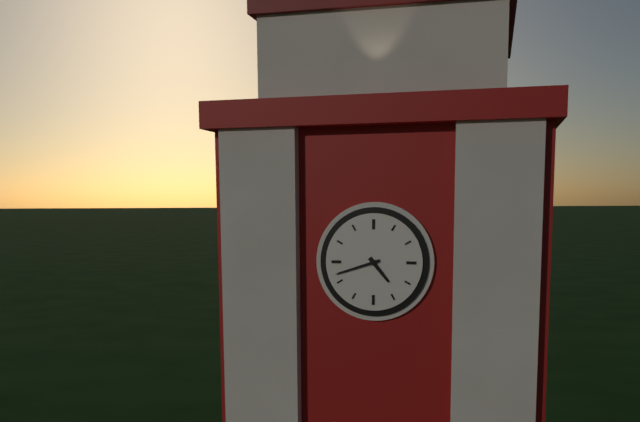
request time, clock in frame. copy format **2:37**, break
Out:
**4:42**
